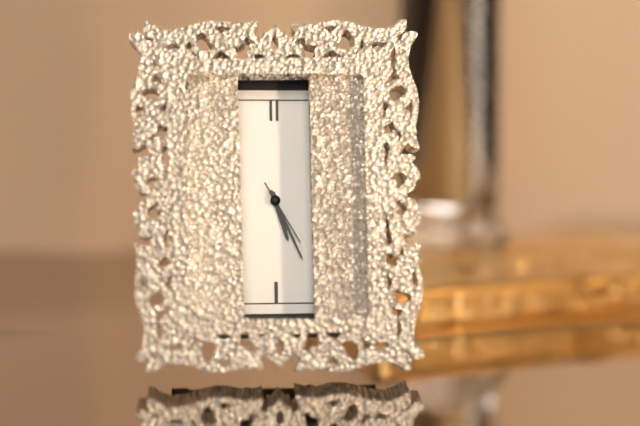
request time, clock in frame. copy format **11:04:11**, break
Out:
**5:26:25**
